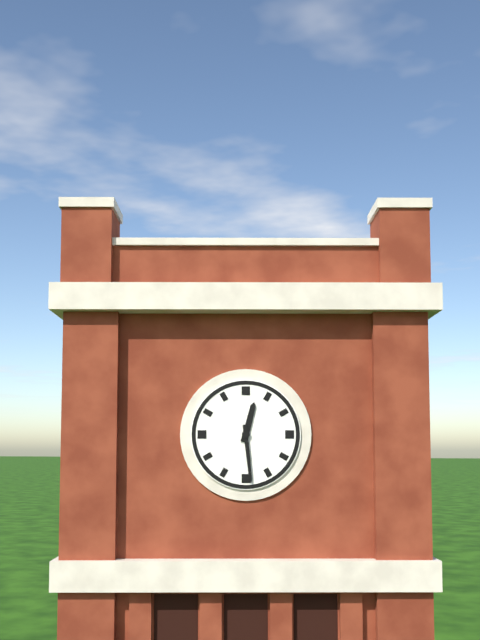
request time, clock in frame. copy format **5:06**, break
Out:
**12:29**
